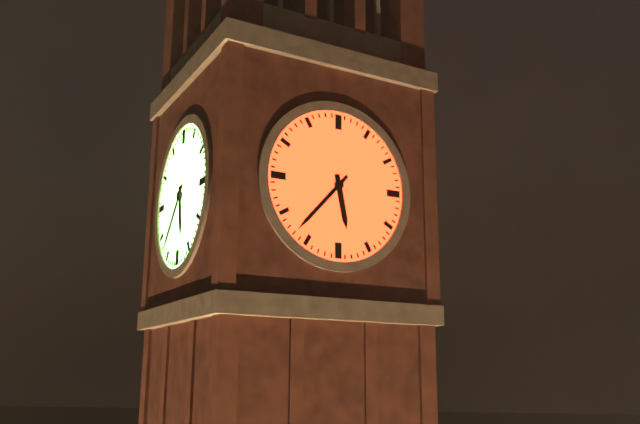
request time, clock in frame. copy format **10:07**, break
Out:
**5:37**
